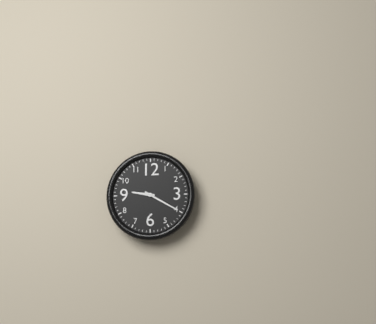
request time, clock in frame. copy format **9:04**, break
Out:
**9:20**
